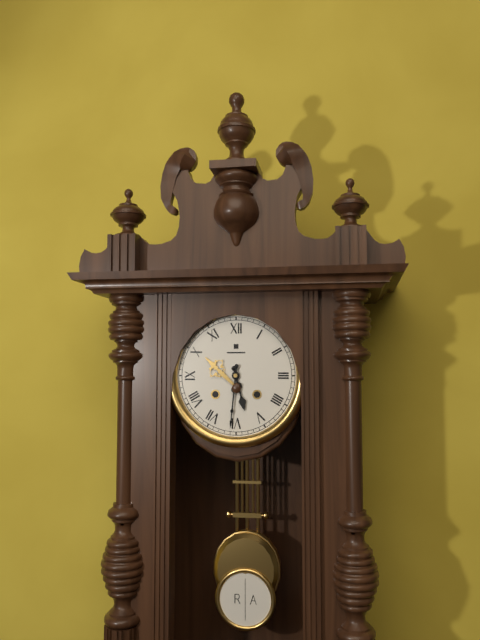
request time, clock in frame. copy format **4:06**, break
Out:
**5:31**
